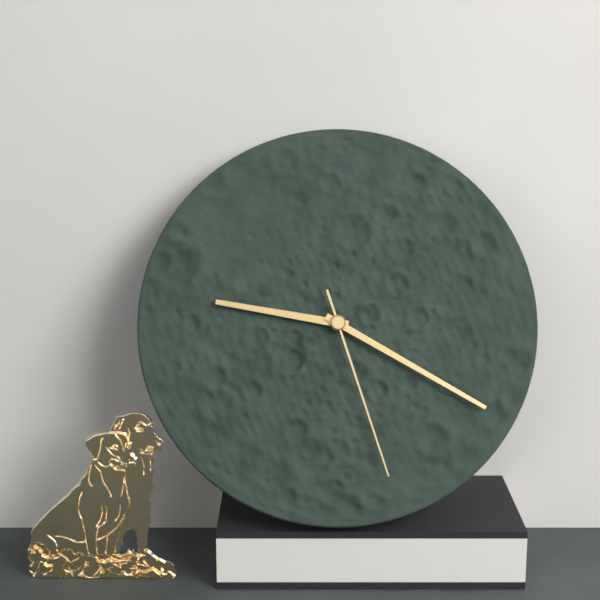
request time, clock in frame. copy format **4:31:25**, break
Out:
**9:20:27**
